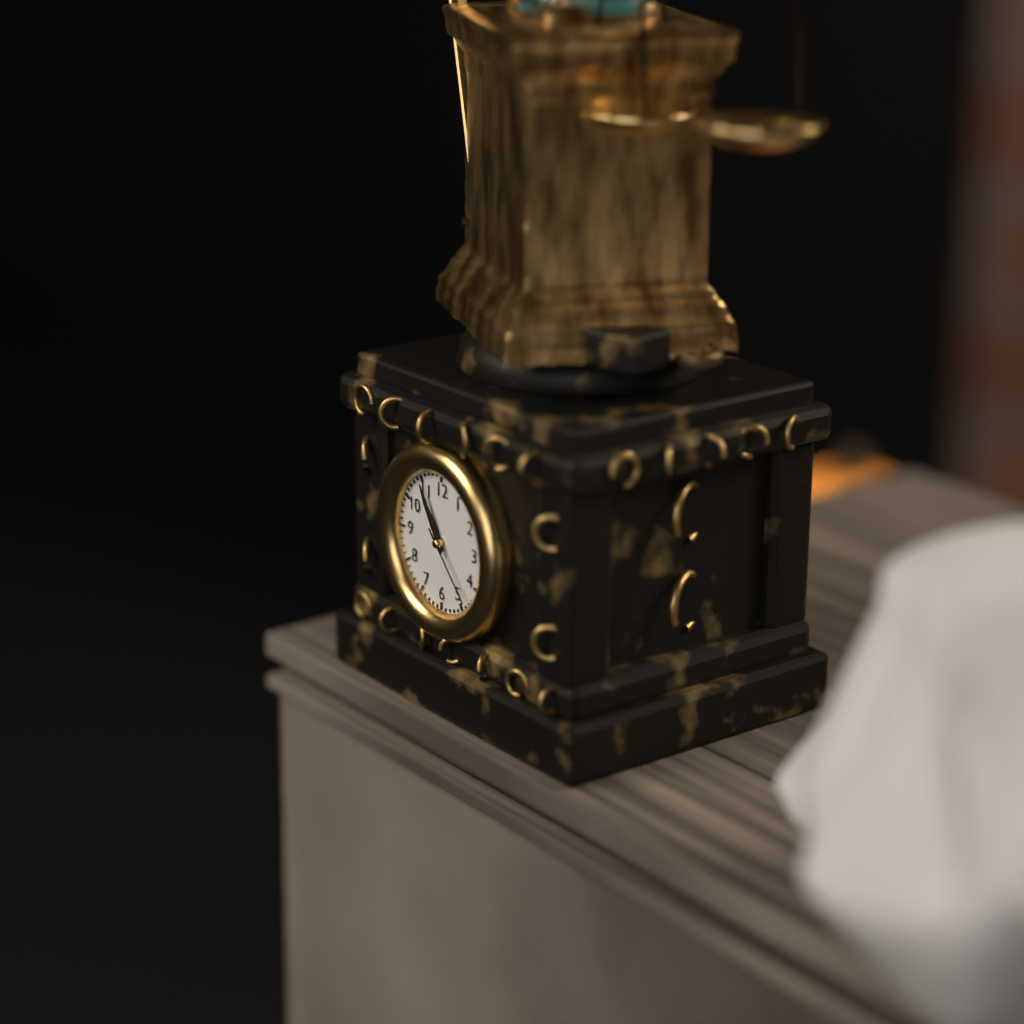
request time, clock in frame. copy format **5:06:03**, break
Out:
**10:55:23**
